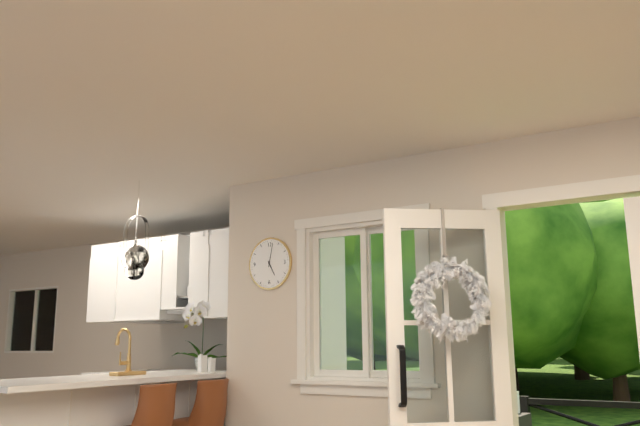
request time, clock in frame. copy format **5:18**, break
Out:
**5:02**
